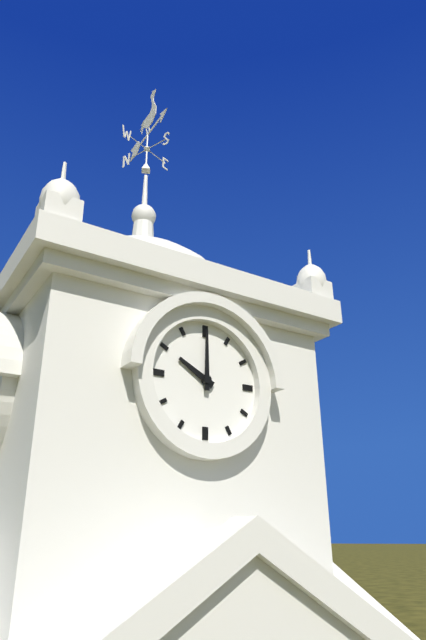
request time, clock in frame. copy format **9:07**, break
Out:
**10:00**
